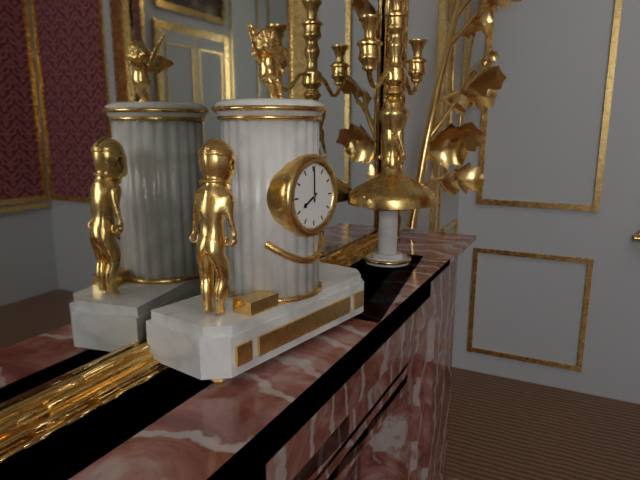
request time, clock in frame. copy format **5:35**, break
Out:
**8:00**
